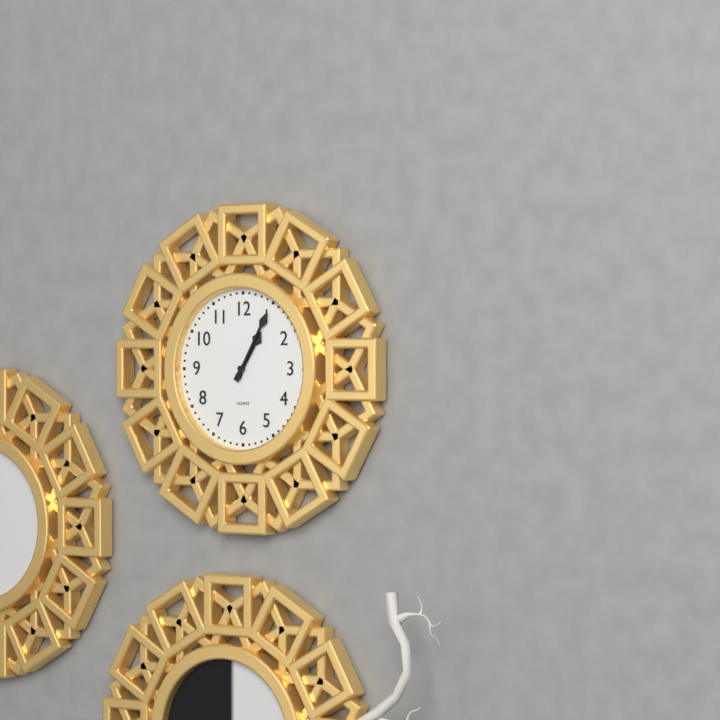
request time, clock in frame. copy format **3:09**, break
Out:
**1:05**
